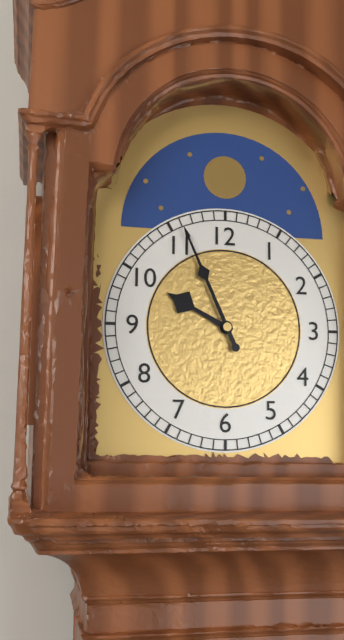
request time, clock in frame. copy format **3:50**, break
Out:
**9:56**
